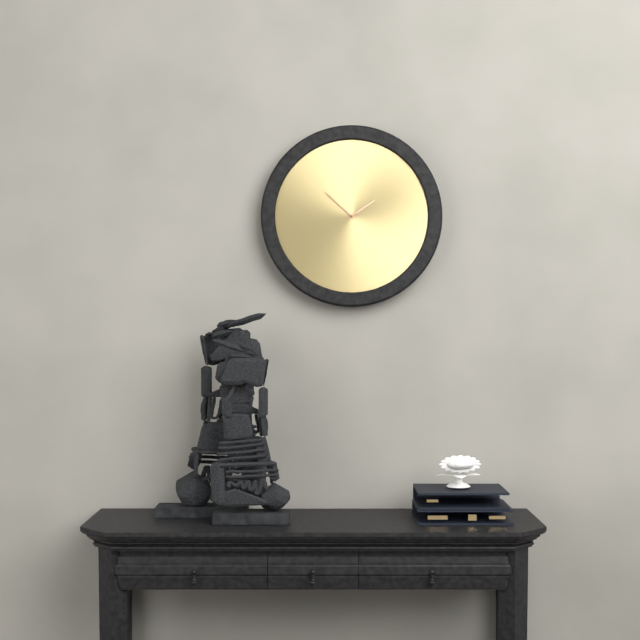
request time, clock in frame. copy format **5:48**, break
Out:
**1:52**
